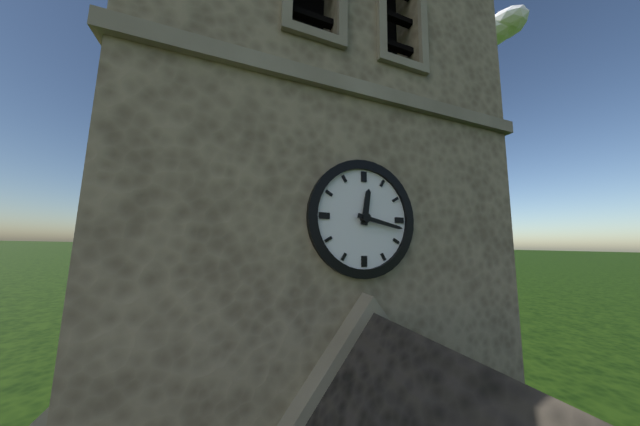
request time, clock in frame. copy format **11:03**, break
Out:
**12:17**
